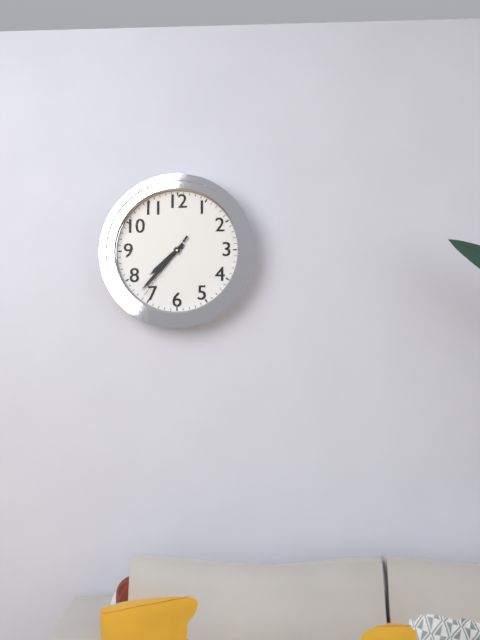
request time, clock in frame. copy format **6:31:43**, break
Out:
**7:37:36**
